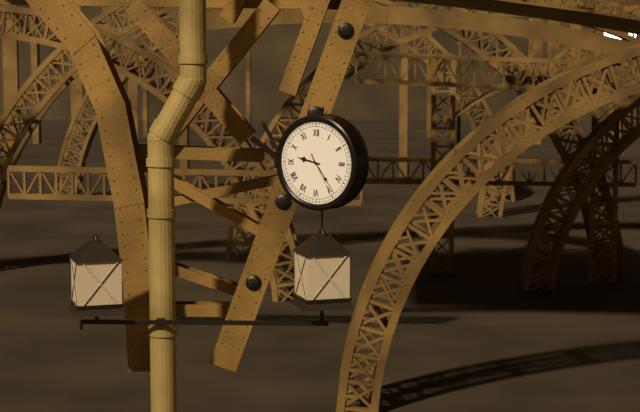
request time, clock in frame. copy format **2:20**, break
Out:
**9:24**
